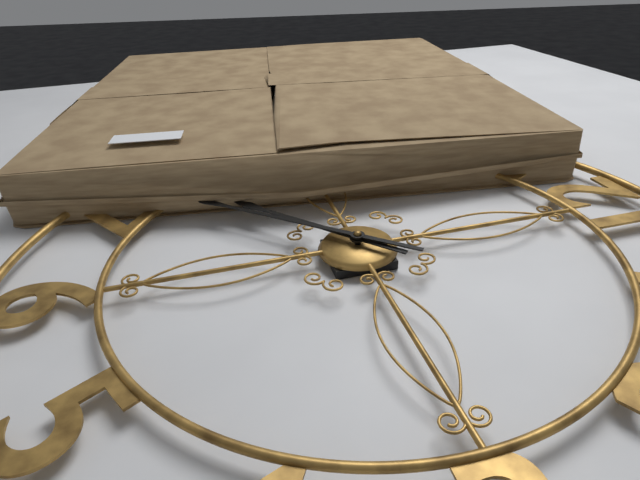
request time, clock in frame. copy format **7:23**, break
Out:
**7:37**
